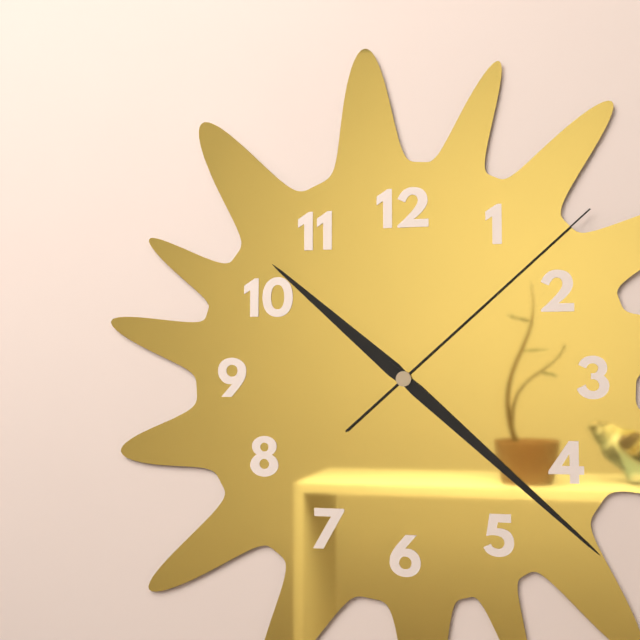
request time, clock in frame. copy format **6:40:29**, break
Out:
**10:22:08**
